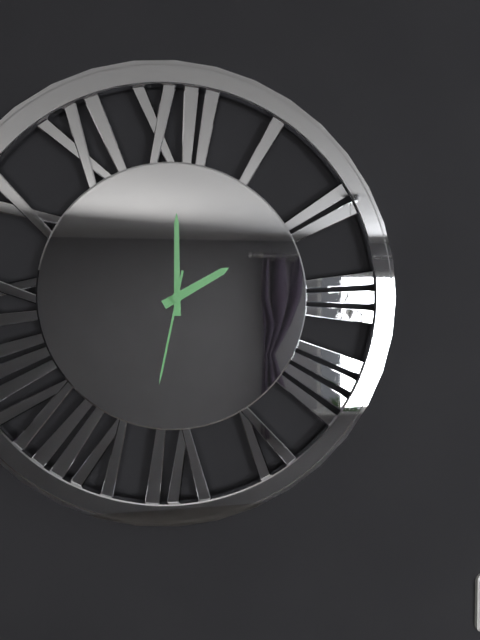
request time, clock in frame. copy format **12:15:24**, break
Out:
**2:00:32**
